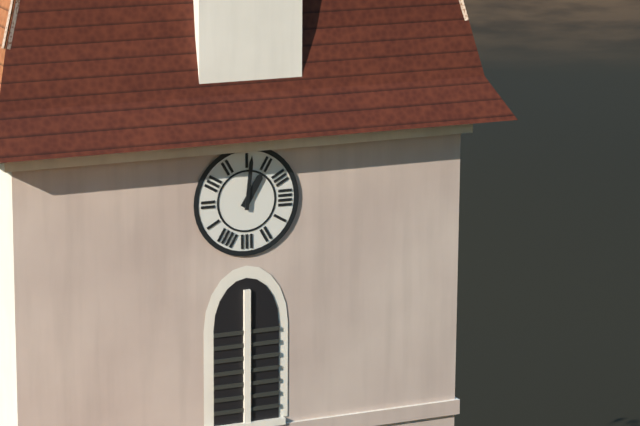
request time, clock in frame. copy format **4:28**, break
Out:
**1:01**
